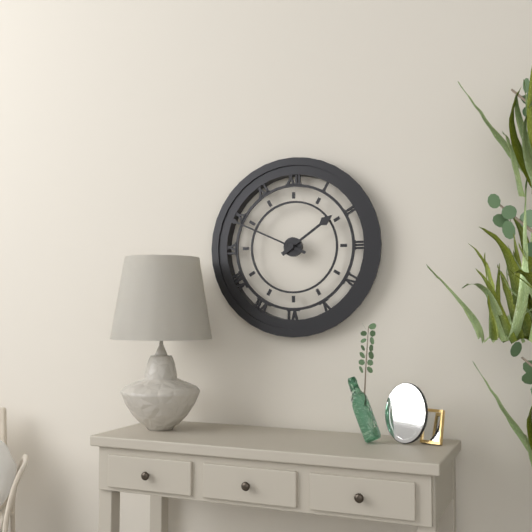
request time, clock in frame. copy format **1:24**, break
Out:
**1:49**
